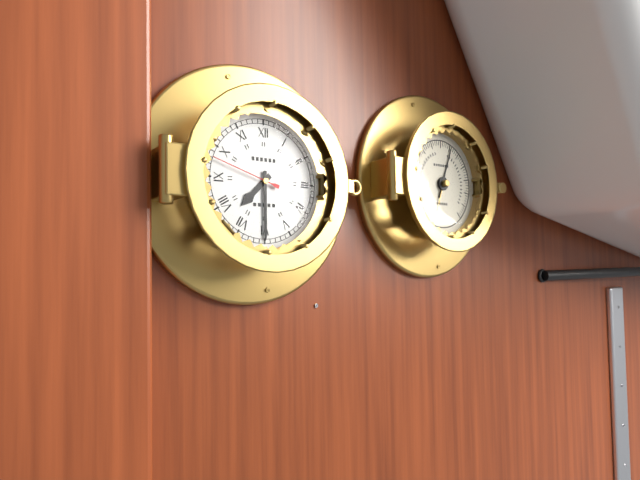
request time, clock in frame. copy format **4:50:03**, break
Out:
**7:30:48**
